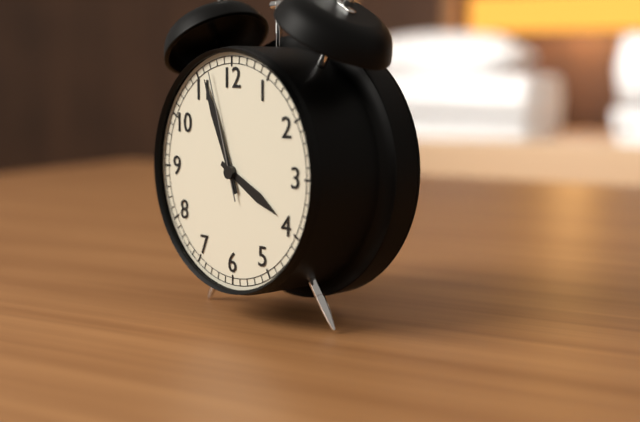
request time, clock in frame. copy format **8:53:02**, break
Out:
**3:56:57**
